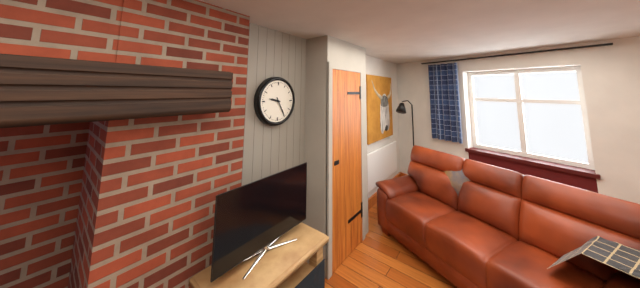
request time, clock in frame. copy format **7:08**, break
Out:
**9:25**
